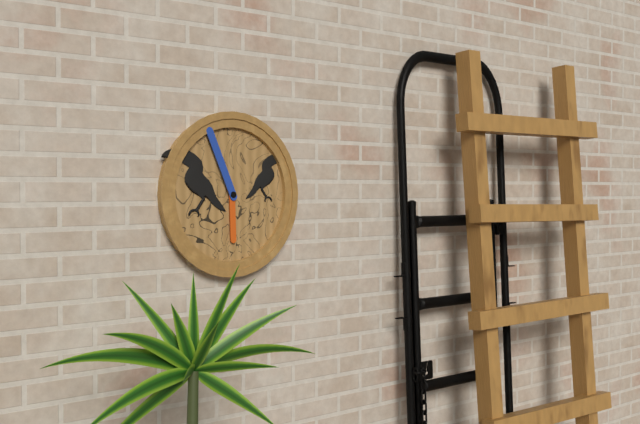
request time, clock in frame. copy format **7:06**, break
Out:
**5:56**
